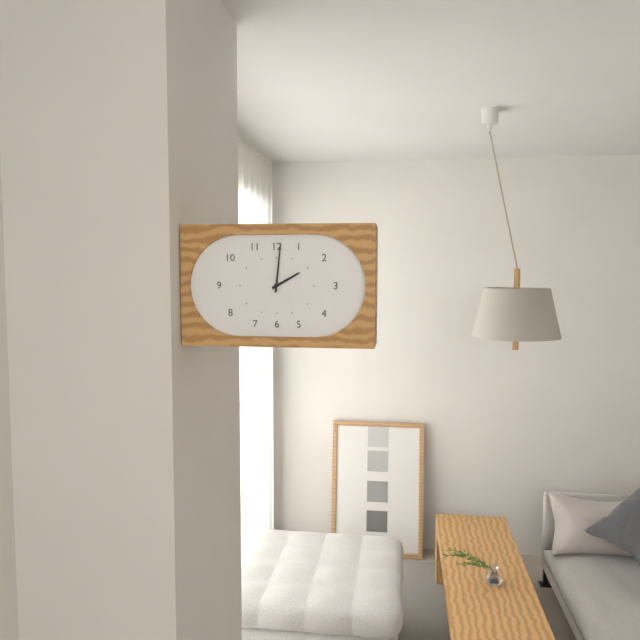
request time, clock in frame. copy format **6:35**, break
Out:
**2:01**
